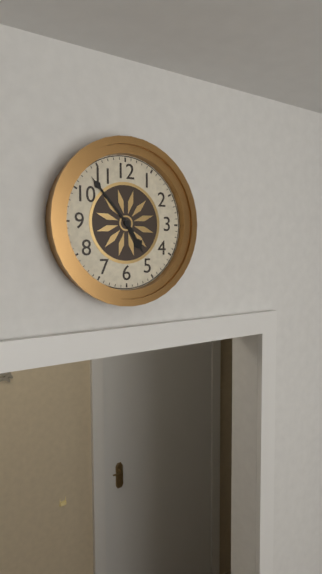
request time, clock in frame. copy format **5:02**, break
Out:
**4:53**
